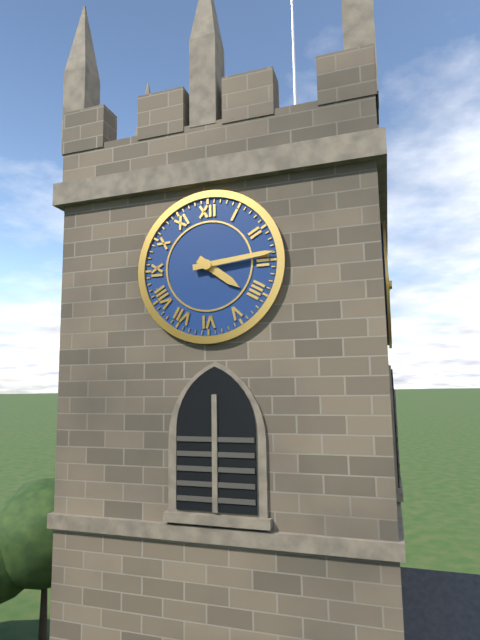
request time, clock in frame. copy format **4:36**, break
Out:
**4:14**
